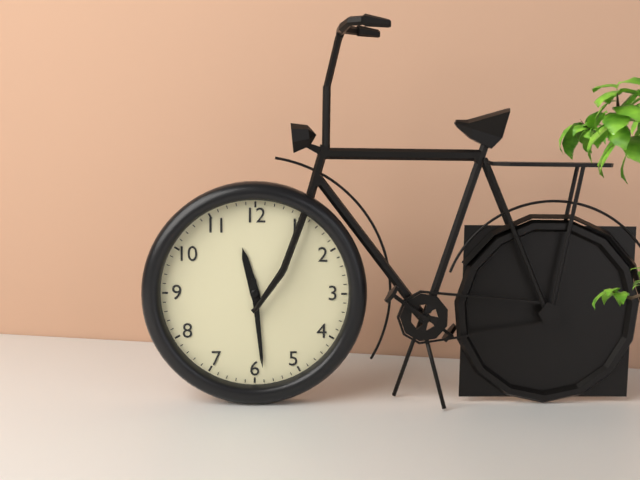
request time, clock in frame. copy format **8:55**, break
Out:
**11:29**
